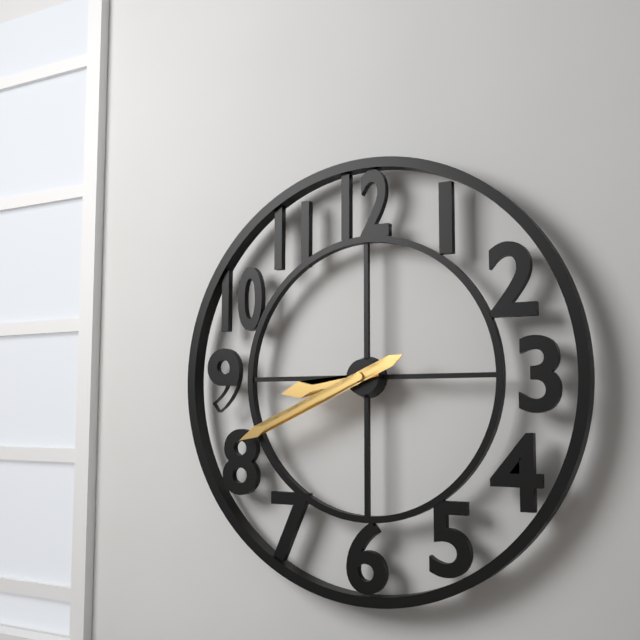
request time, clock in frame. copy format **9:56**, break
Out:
**8:41**
